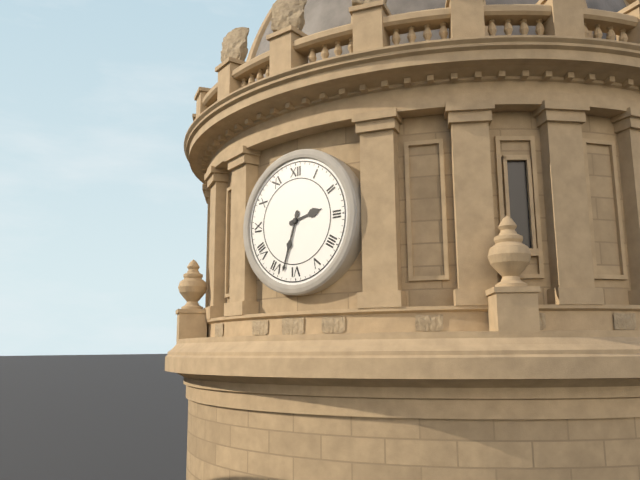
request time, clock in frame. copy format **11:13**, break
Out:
**2:33**
